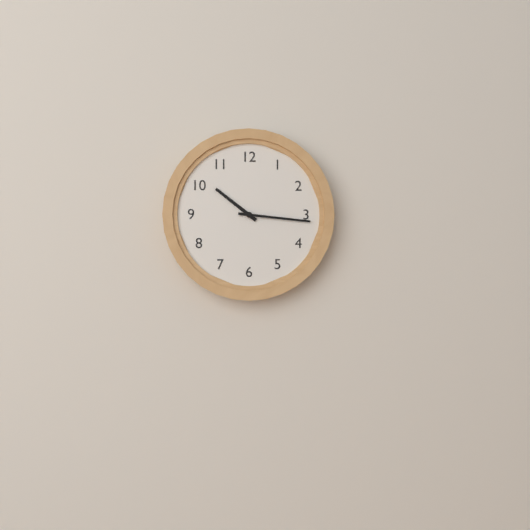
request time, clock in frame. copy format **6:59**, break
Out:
**10:16**
